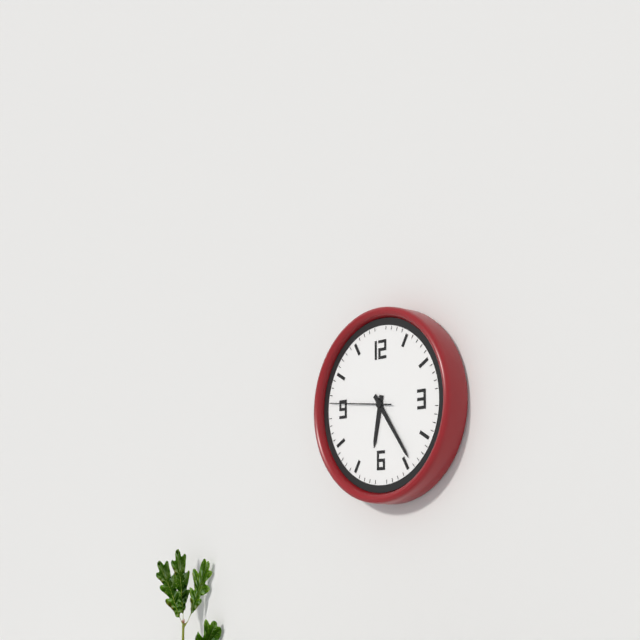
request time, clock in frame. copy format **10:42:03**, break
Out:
**6:24:46**
